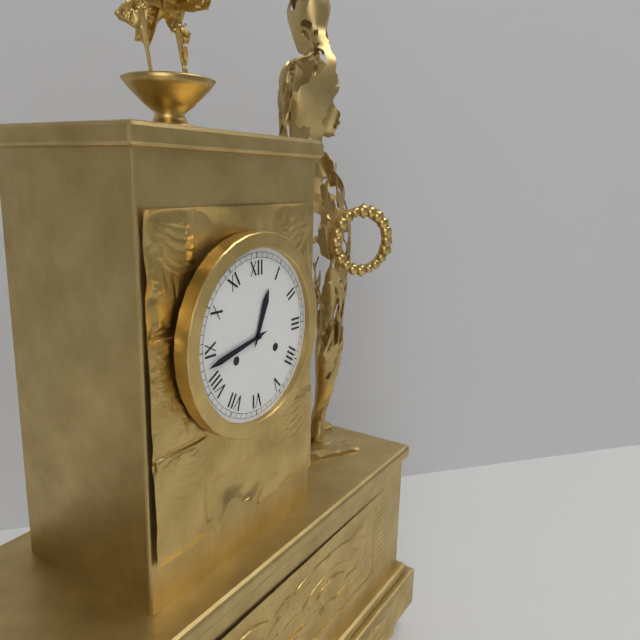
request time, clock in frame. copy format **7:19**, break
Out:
**12:43**
